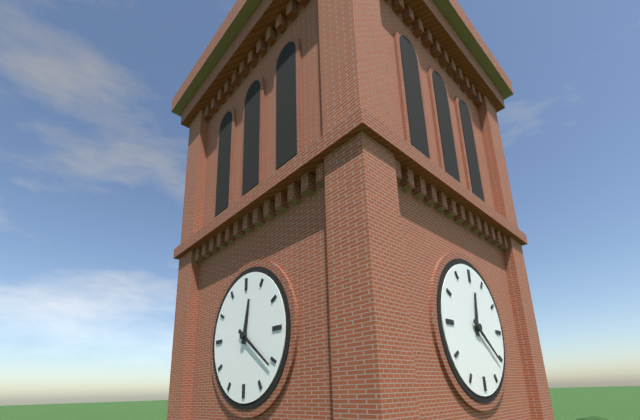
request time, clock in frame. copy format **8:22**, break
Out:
**12:21**
